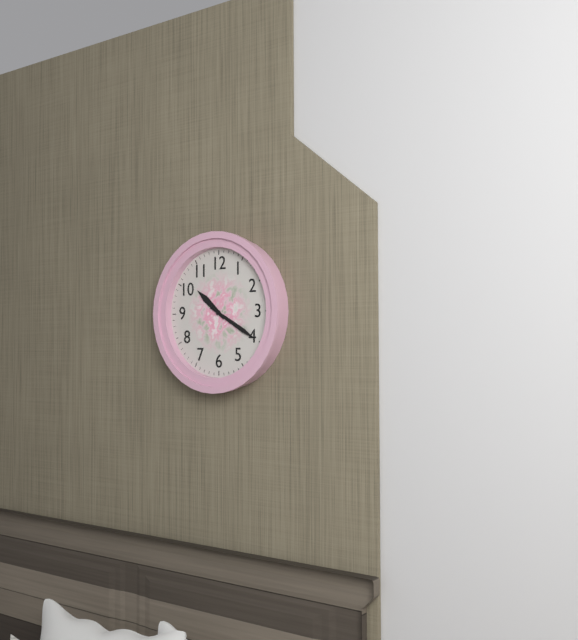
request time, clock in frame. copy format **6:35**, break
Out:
**10:20**
